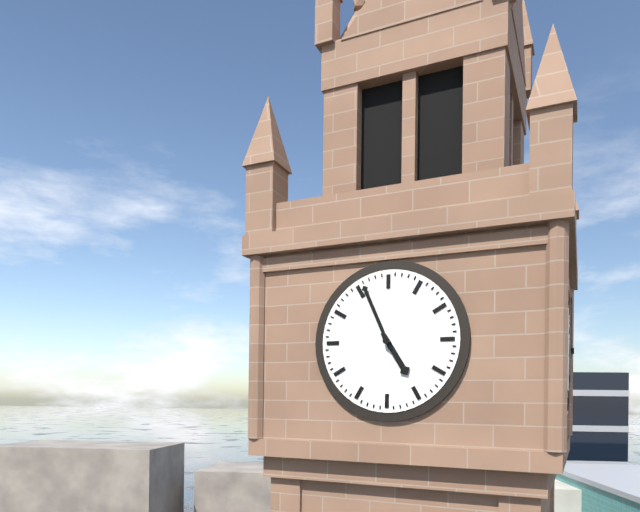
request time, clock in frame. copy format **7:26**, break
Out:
**4:56**
